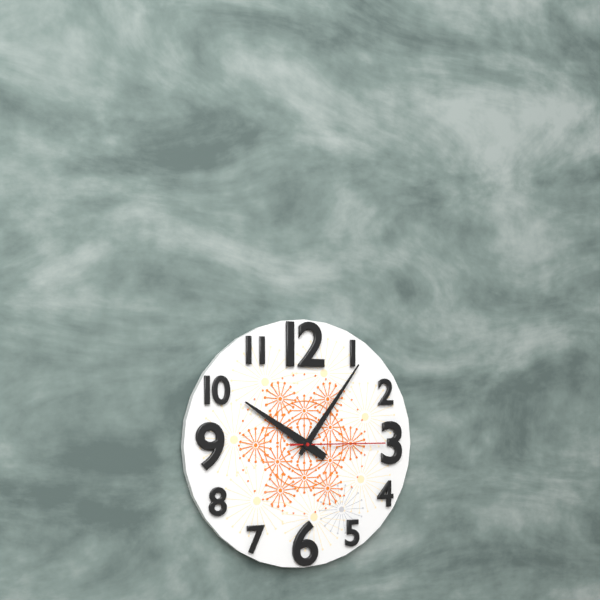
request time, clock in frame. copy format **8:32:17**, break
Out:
**10:06:15**
